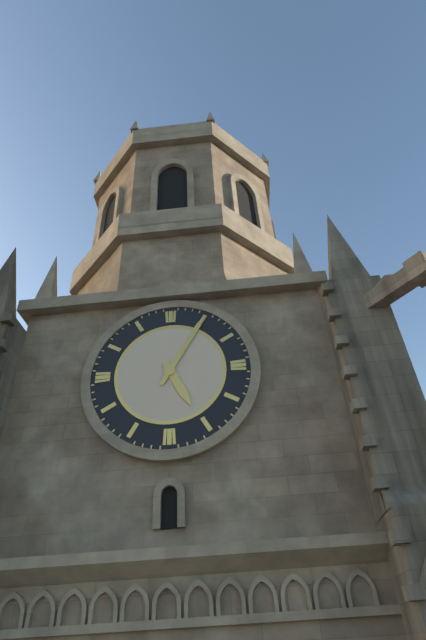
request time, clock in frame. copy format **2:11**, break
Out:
**5:05**
